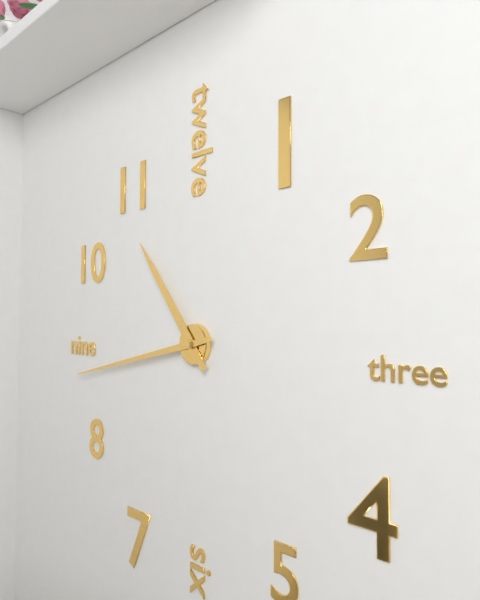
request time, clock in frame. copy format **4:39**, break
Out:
**10:43**
